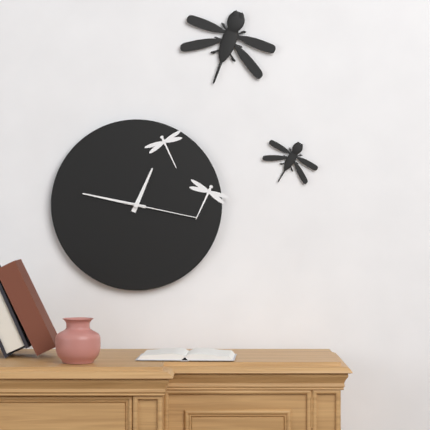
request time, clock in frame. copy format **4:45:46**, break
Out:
**12:47:17**
